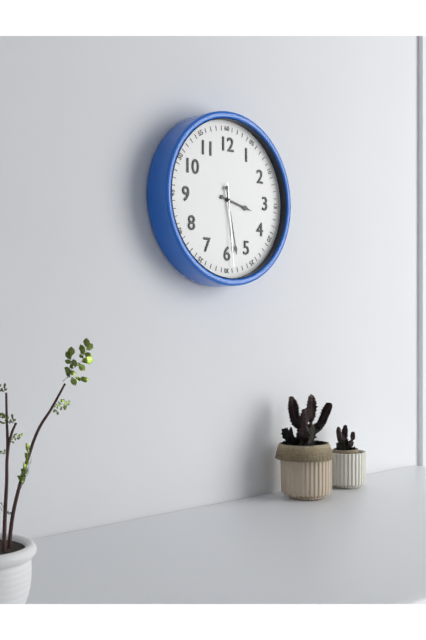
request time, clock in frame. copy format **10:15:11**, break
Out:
**3:28:29**
